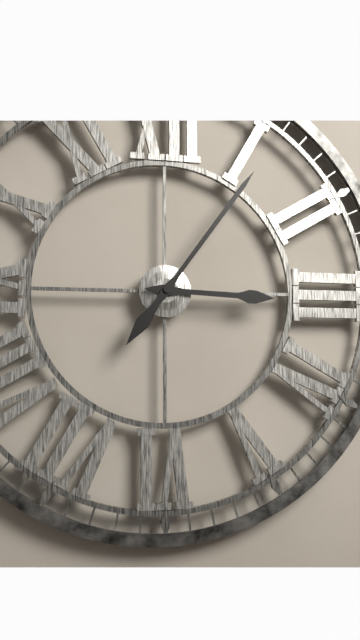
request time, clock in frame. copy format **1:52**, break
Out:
**3:06**
